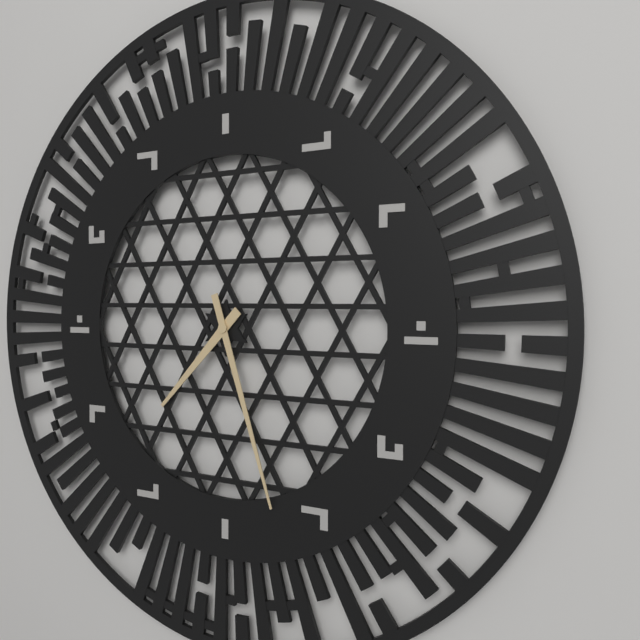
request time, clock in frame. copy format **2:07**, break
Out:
**7:27**
